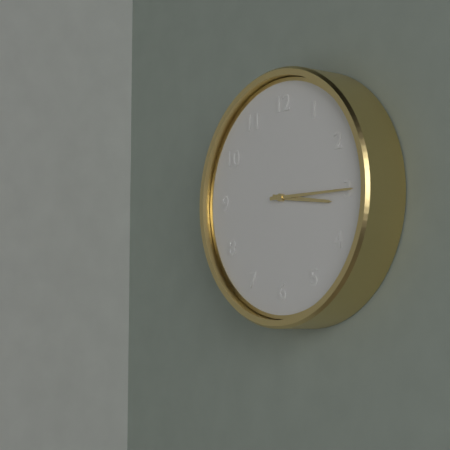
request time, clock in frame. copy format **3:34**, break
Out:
**3:15**
